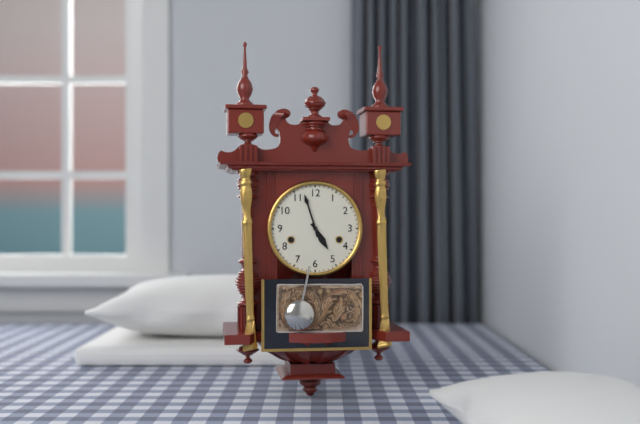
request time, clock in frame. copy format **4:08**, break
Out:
**4:57**
